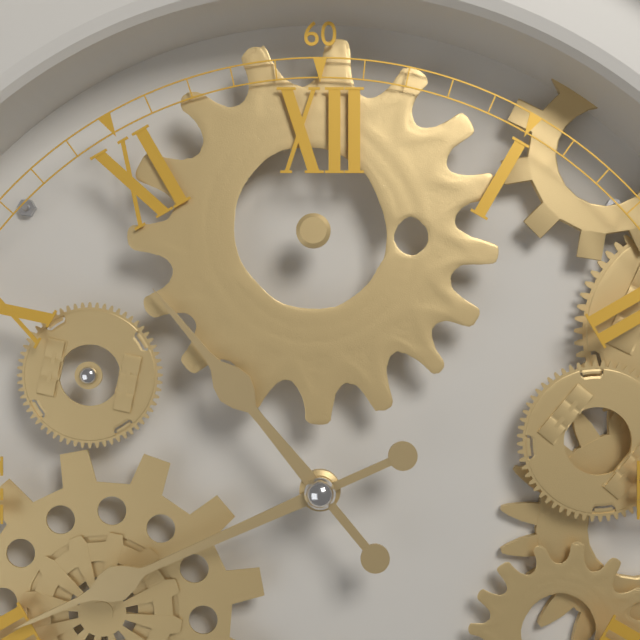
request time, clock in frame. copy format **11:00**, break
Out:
**10:41**
